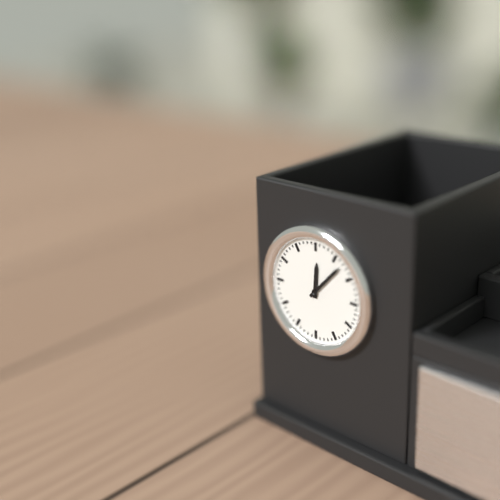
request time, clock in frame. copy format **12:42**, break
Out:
**12:07**
